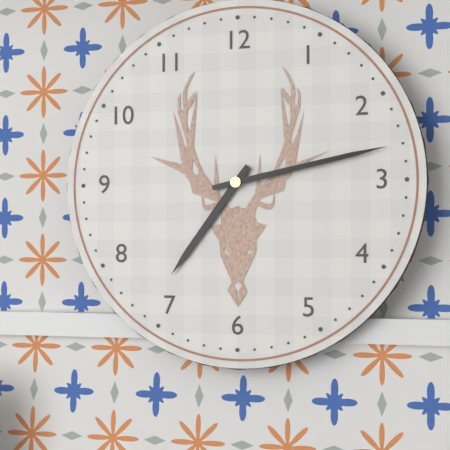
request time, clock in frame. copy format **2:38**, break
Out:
**7:13**
